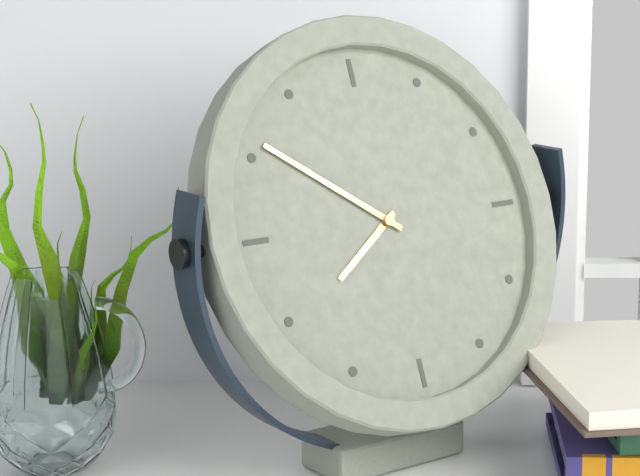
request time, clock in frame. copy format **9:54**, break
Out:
**7:51**
